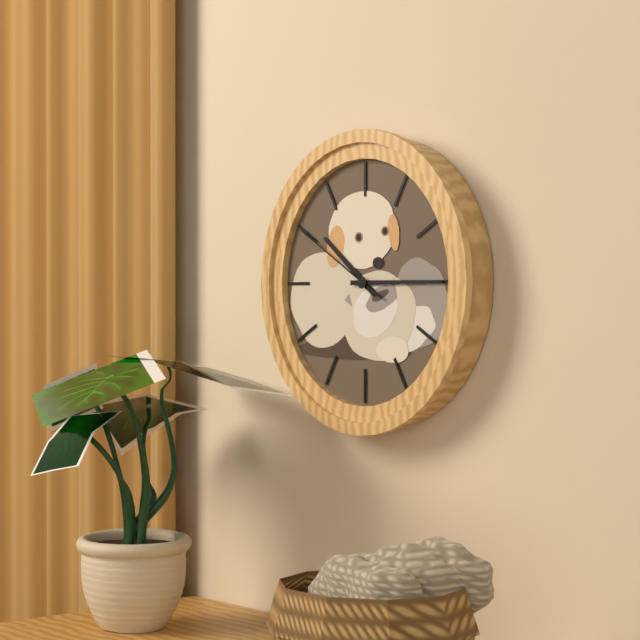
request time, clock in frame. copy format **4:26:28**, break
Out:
**10:15:50**
